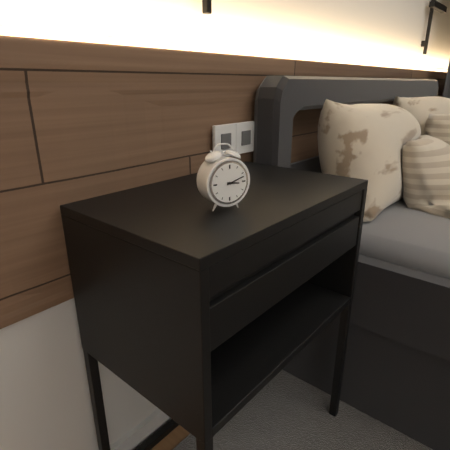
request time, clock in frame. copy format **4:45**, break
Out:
**3:12**
